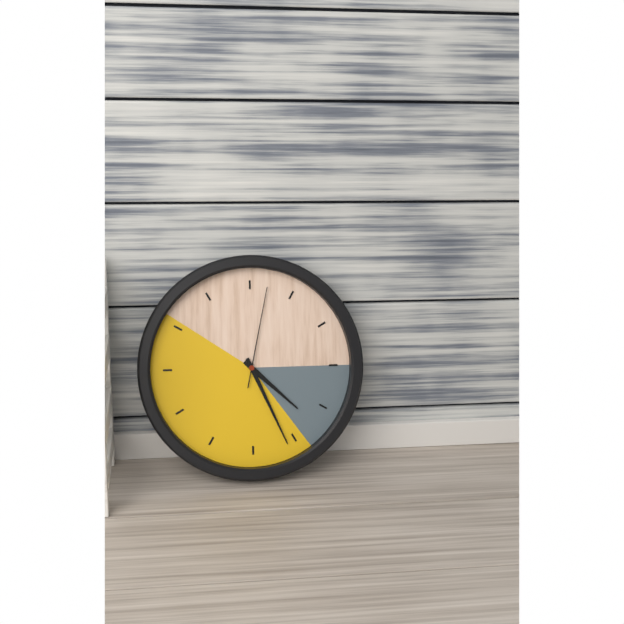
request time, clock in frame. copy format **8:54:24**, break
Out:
**4:26:02**
